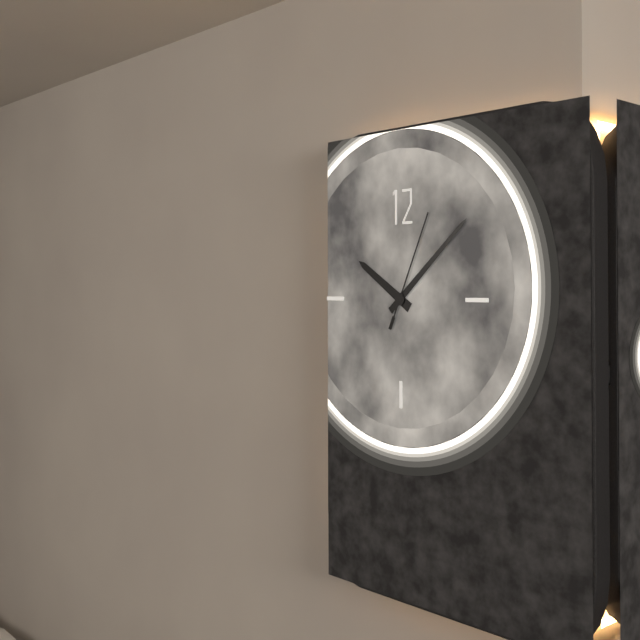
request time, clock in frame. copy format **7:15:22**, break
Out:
**10:08:04**
